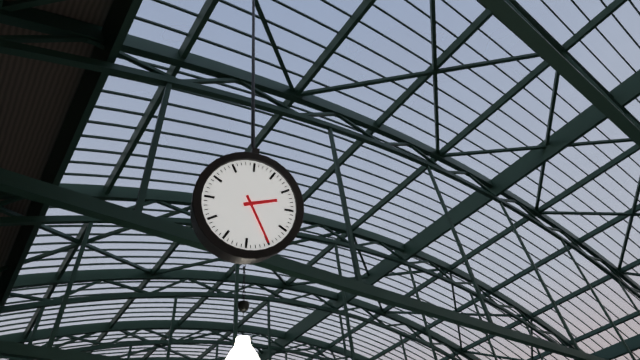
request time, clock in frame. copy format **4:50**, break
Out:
**2:25**
